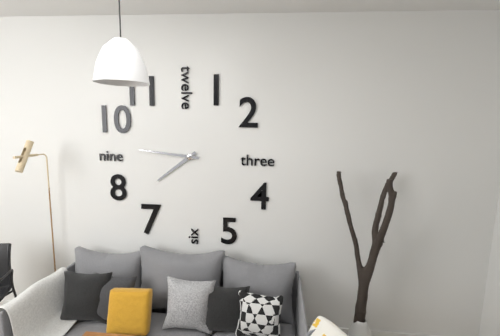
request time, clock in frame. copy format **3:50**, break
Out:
**7:46**
